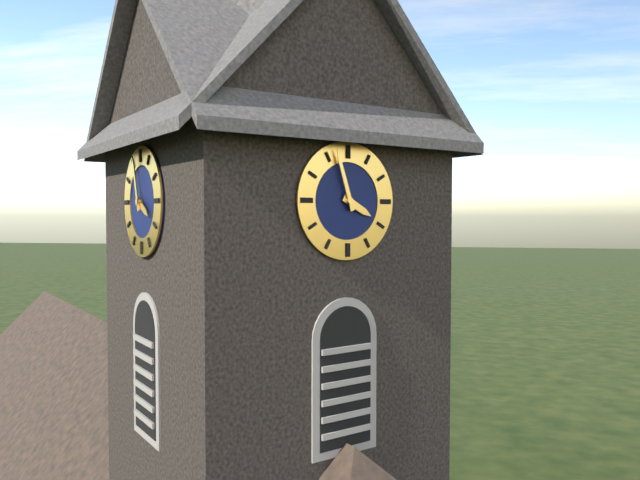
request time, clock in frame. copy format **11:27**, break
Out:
**3:57**
